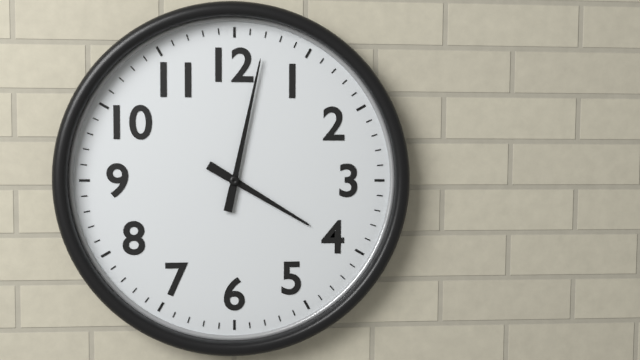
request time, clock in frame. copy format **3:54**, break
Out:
**4:02**
